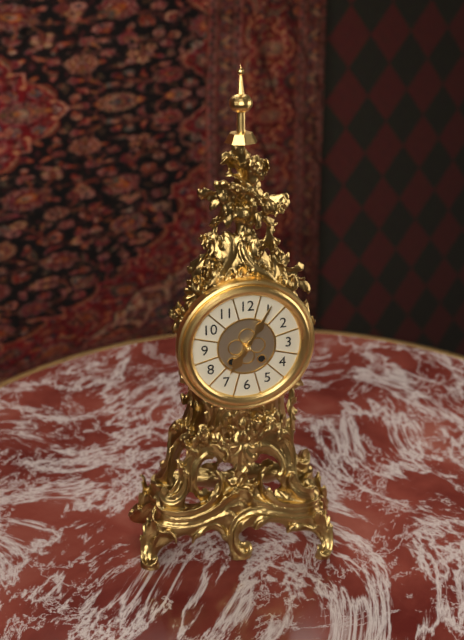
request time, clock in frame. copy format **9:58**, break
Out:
**7:05**
